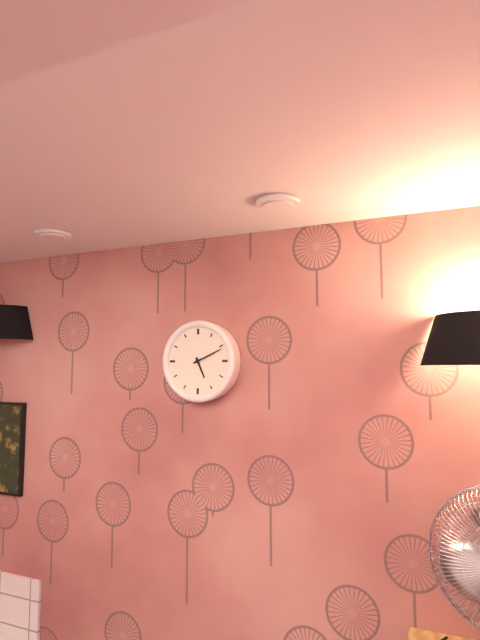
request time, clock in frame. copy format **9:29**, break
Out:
**5:11**
